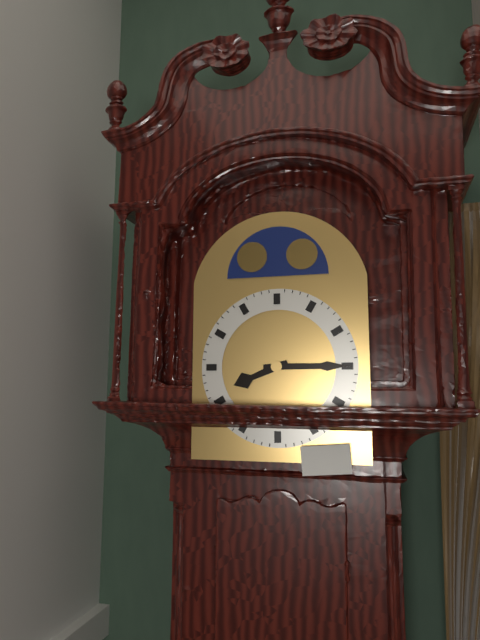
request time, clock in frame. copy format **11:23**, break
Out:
**8:15**
